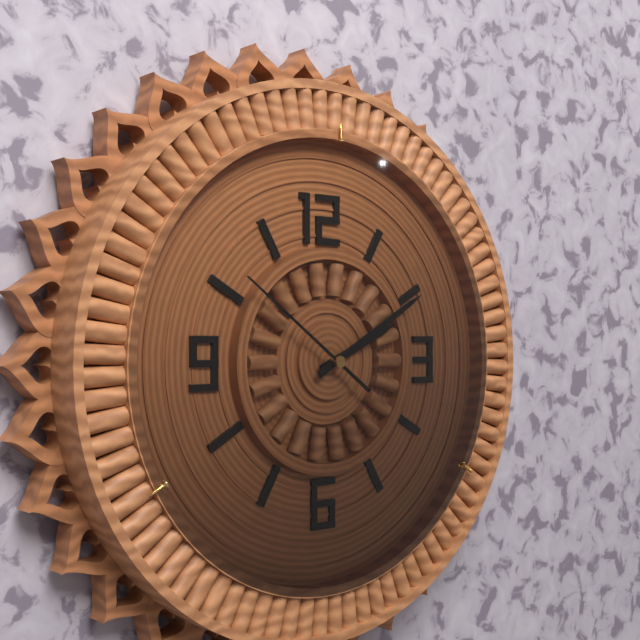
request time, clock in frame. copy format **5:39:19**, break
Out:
**2:10:51**
